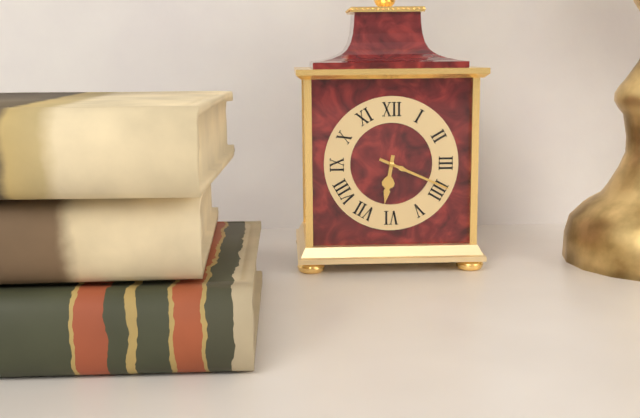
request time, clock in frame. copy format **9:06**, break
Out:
**6:19**
